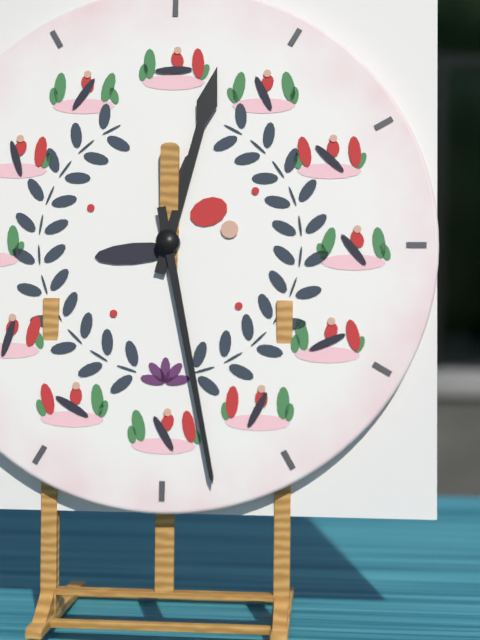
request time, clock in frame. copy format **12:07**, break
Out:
**12:28**
